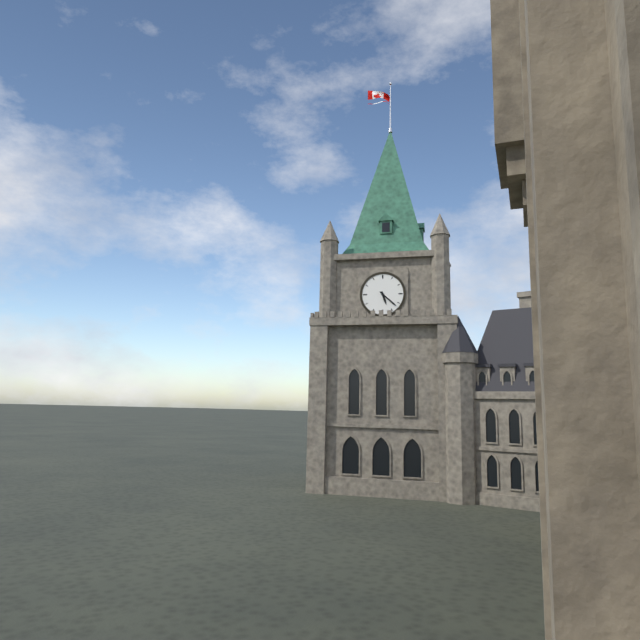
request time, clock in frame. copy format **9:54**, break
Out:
**5:22**
